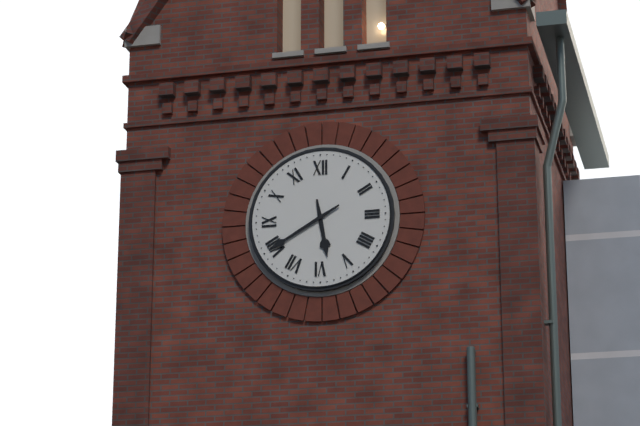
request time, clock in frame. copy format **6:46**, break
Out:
**5:40**
